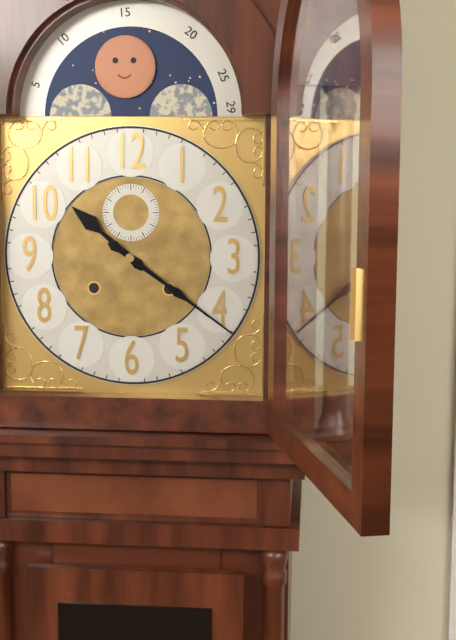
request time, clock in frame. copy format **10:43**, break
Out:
**10:21**
